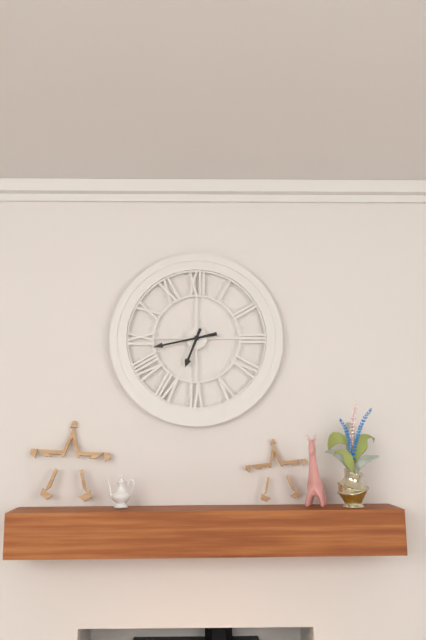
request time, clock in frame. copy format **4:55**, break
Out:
**6:43**
